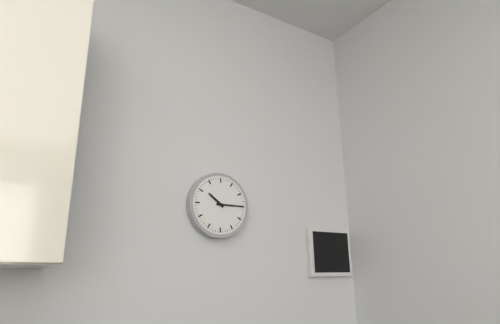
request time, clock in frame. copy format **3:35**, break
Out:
**10:15**
